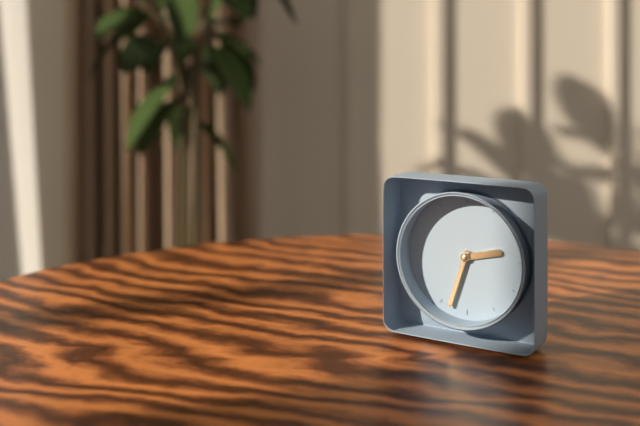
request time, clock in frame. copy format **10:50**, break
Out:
**2:33**
